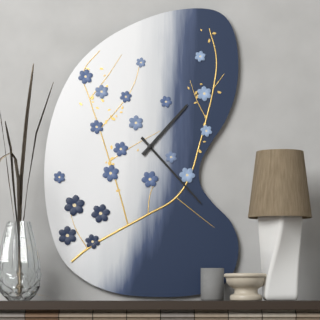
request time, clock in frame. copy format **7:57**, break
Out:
**1:23**
